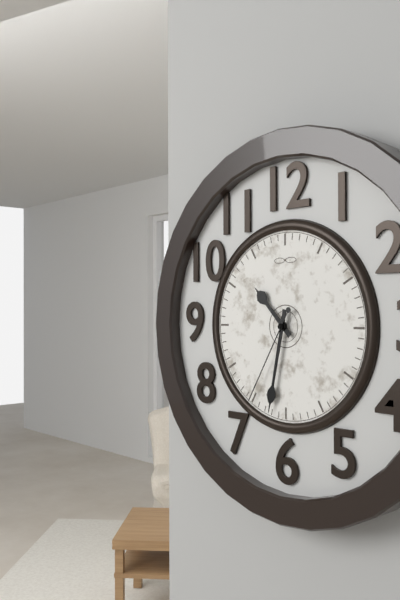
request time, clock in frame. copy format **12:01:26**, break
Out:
**10:32:35**
